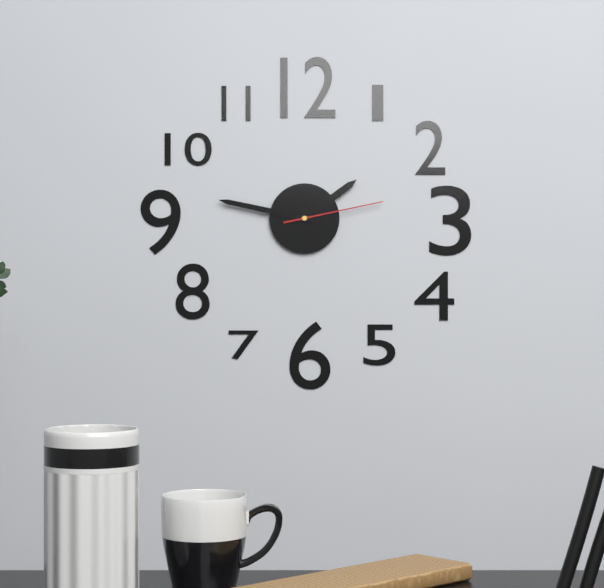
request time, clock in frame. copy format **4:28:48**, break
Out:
**1:47:13**
